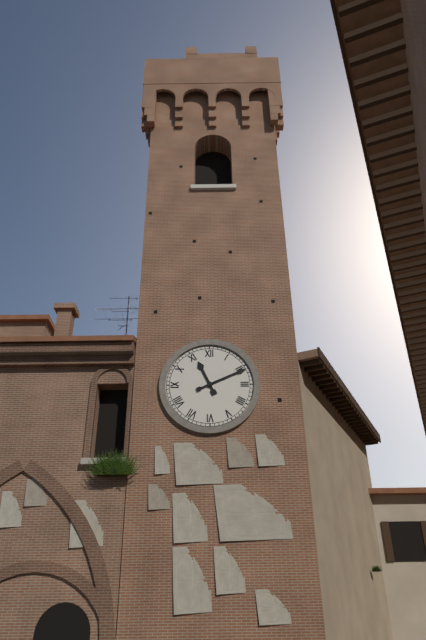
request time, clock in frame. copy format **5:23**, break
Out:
**11:11**
